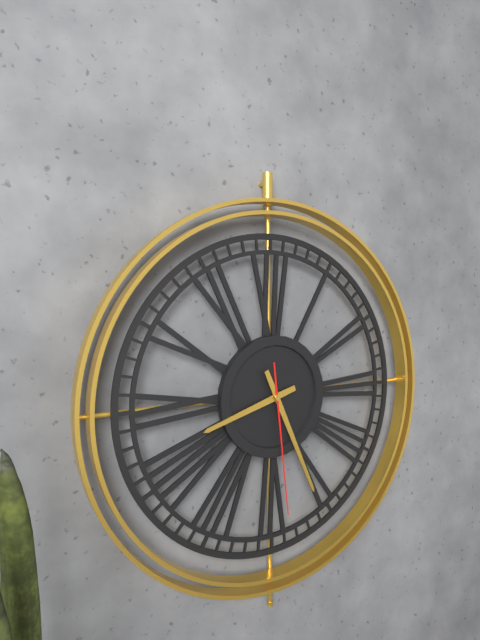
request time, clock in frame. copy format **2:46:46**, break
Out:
**8:26:29**
